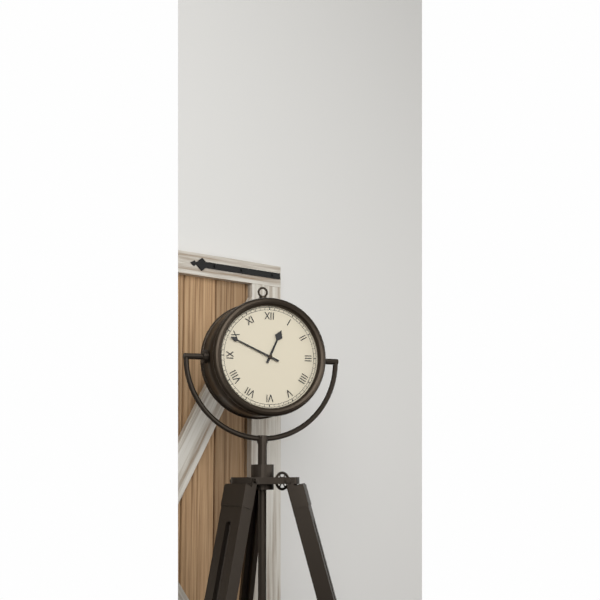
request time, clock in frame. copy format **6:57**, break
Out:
**12:49**
